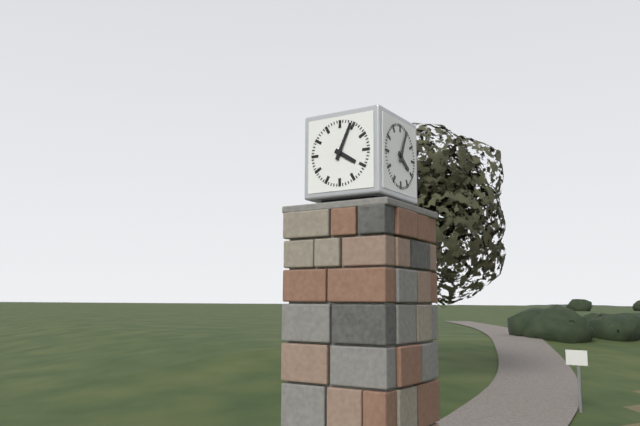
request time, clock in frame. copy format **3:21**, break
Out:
**4:04**
